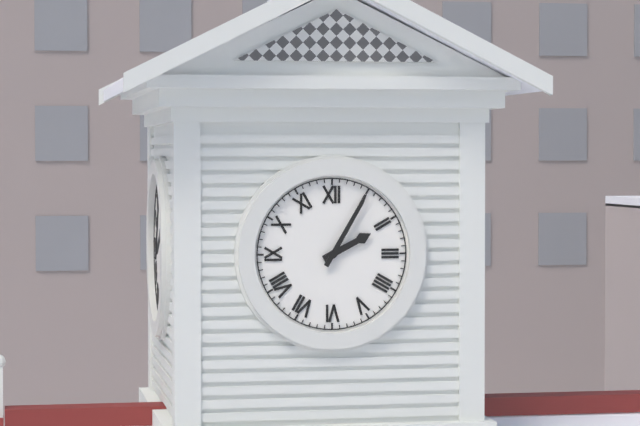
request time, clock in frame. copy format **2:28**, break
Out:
**2:05**
